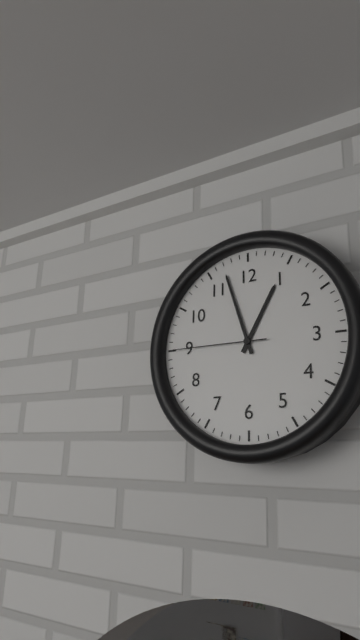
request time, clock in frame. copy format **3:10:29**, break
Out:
**12:57:45**
